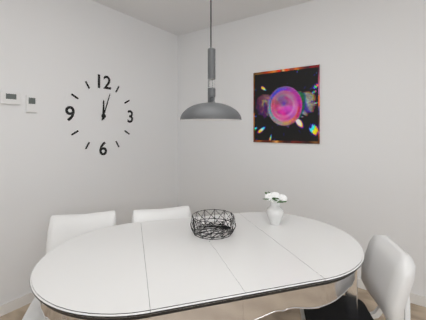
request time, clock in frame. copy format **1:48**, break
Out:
**12:03**
